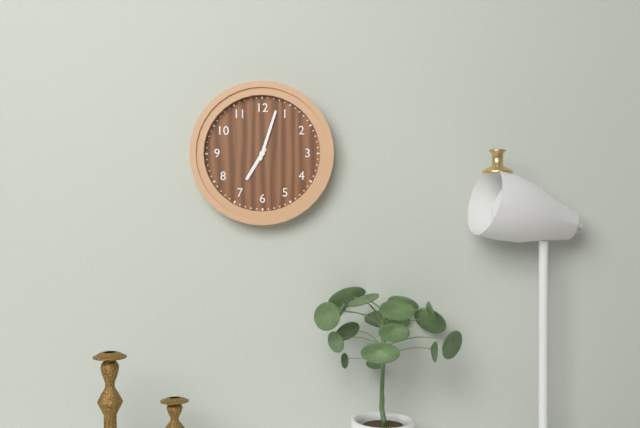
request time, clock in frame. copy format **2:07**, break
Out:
**7:03**
